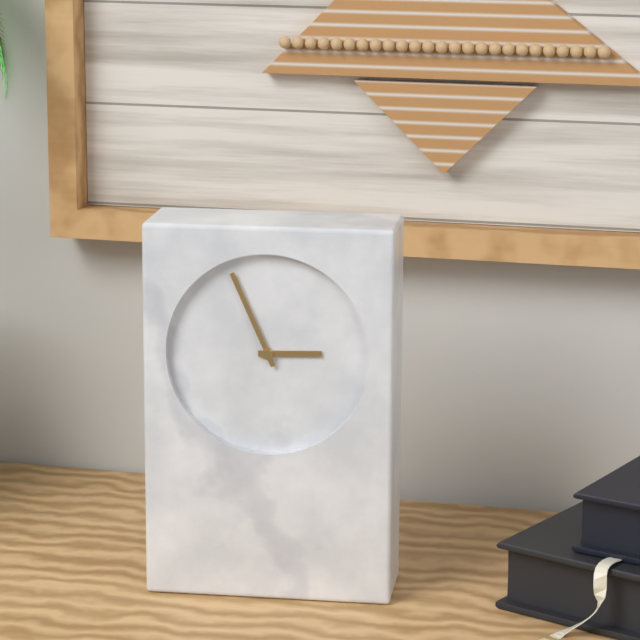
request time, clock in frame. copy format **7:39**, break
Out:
**2:56**
